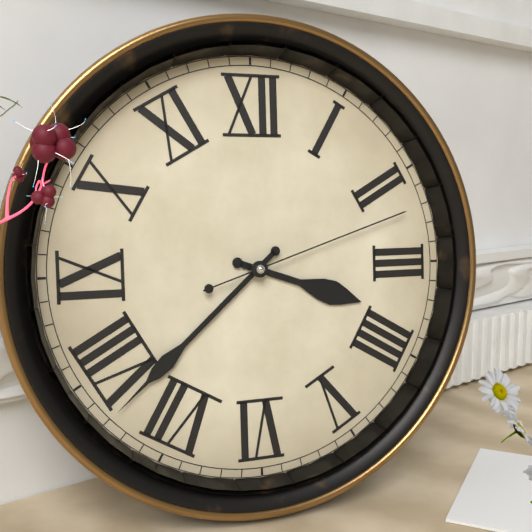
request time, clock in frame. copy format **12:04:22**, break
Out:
**3:38:12**
